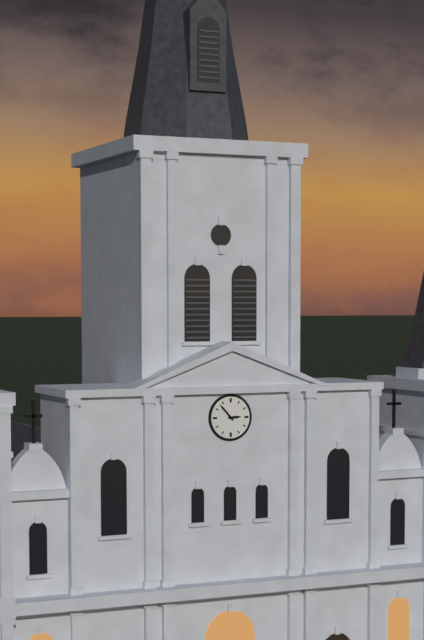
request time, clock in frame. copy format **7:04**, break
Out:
**2:53**
